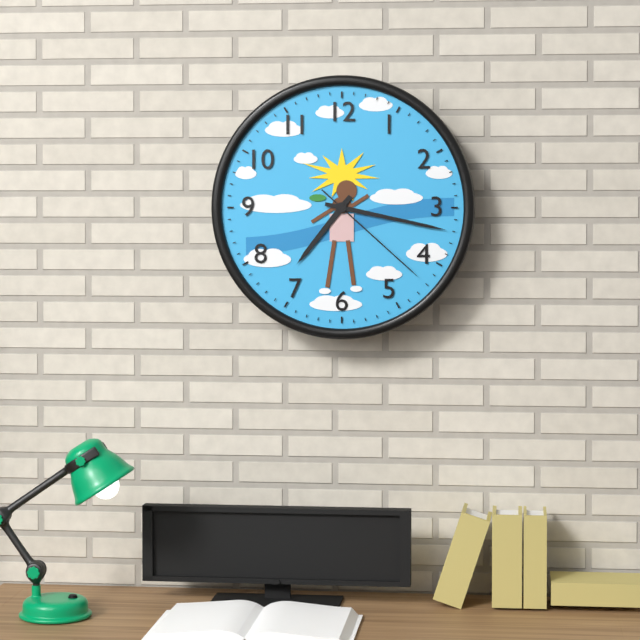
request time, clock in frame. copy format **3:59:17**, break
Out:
**7:17:22**
